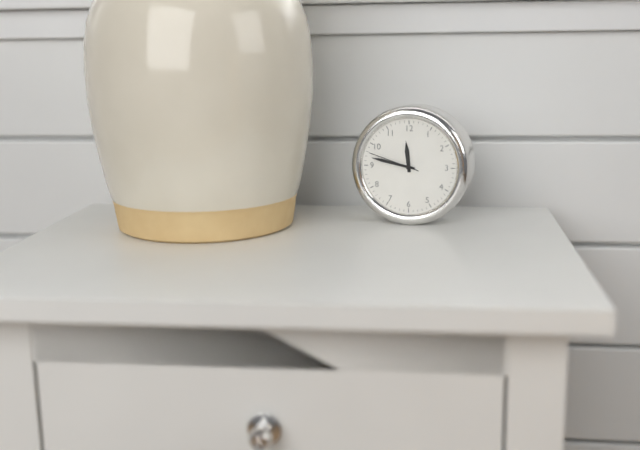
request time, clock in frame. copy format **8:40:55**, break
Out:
**11:47:48**
